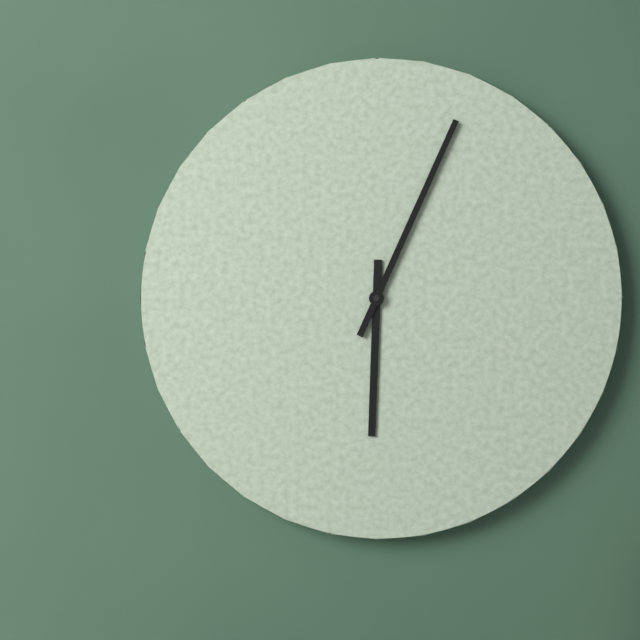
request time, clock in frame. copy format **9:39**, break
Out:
**6:04**
